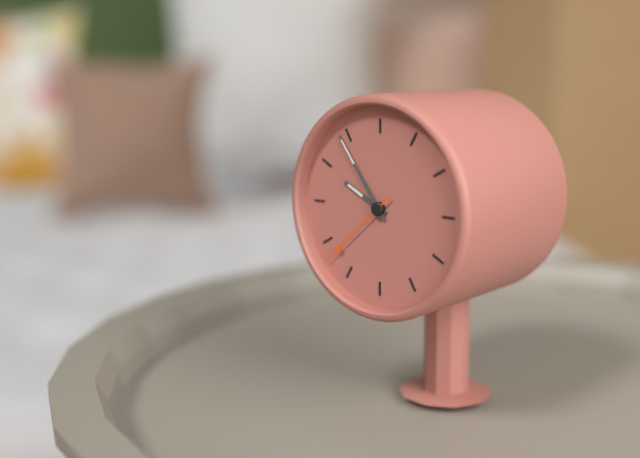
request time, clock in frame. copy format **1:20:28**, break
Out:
**9:54:38**
